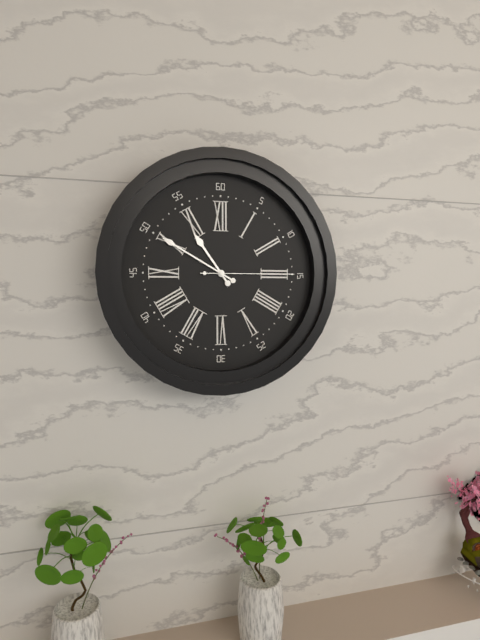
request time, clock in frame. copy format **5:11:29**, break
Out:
**10:50:15**
